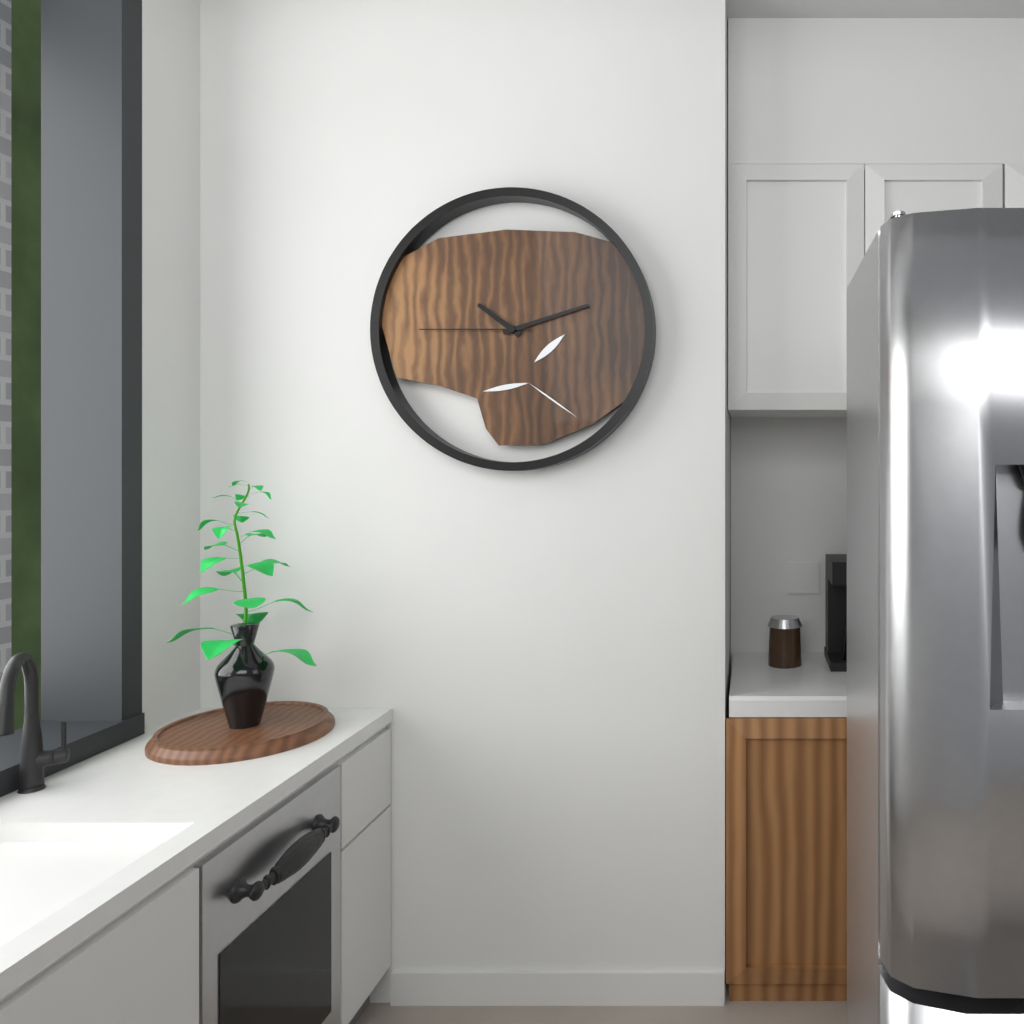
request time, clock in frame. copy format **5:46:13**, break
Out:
**10:12:45**
